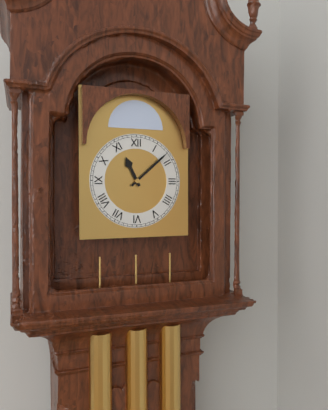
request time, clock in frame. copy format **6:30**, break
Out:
**11:08**
